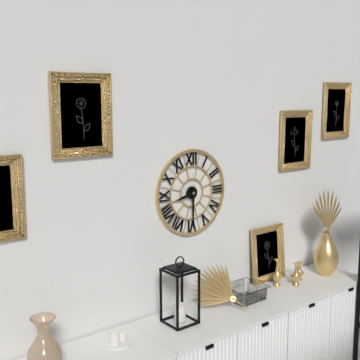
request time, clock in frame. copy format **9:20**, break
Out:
**8:30**
